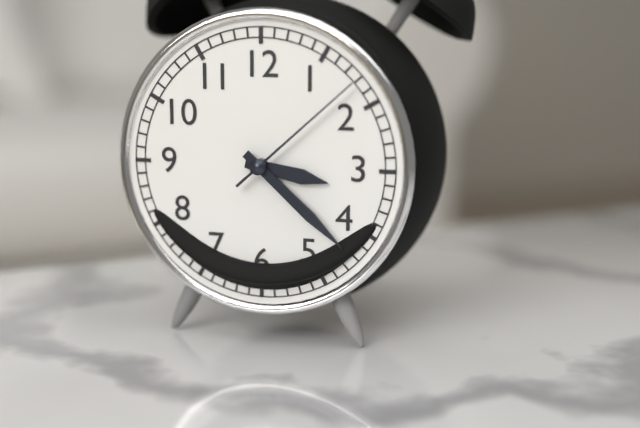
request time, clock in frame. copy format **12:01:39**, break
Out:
**3:22:08**
